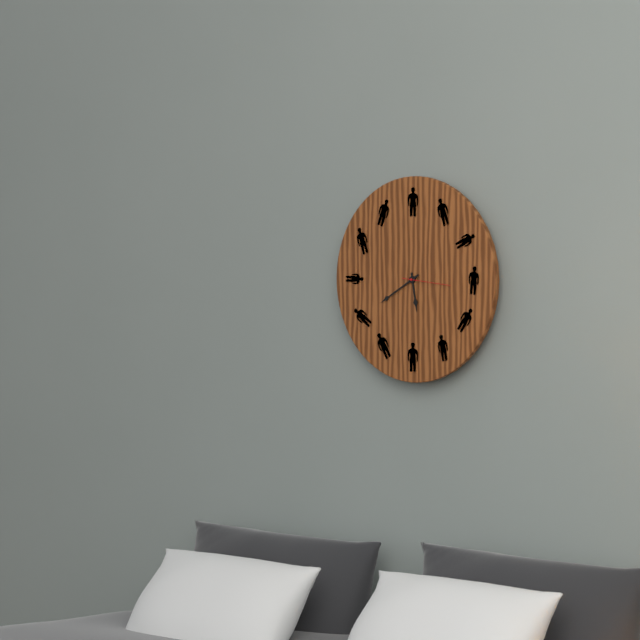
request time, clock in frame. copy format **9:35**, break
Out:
**5:40**
